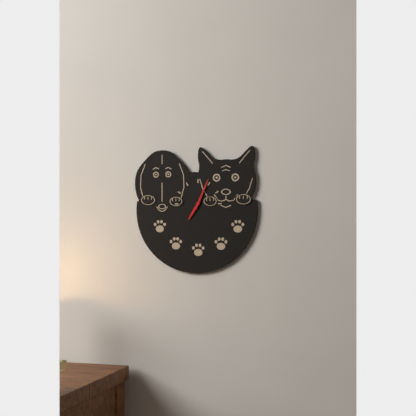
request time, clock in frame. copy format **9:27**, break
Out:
**7:04**
